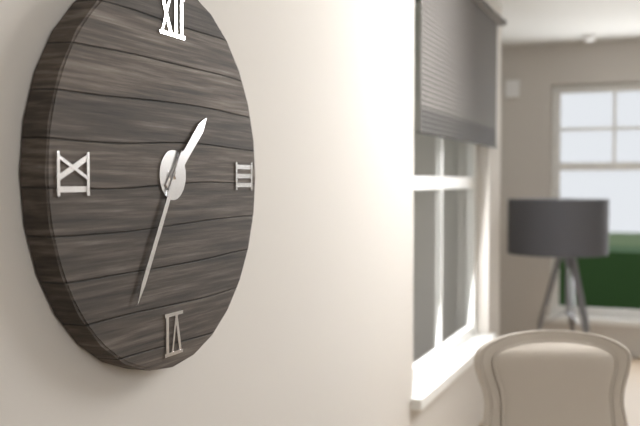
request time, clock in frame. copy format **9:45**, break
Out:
**1:35**
